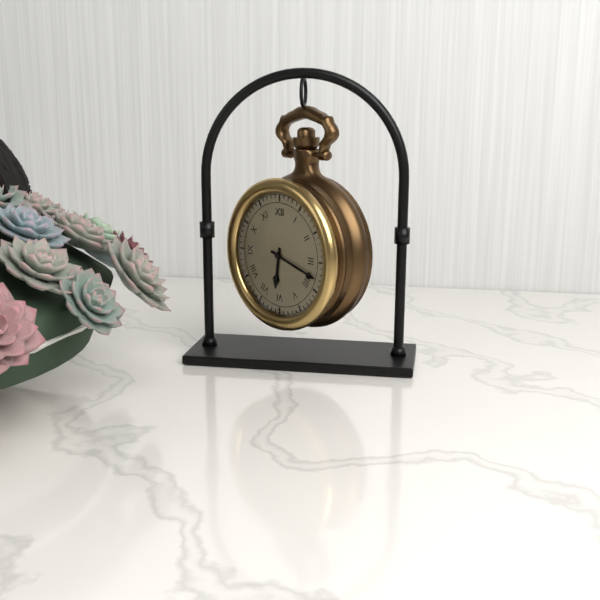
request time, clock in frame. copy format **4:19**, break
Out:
**6:18**
